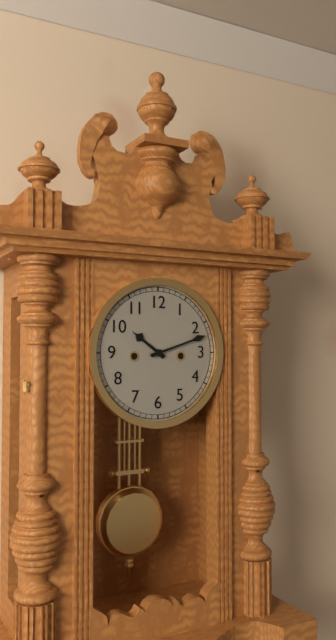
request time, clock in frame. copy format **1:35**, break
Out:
**10:12**
